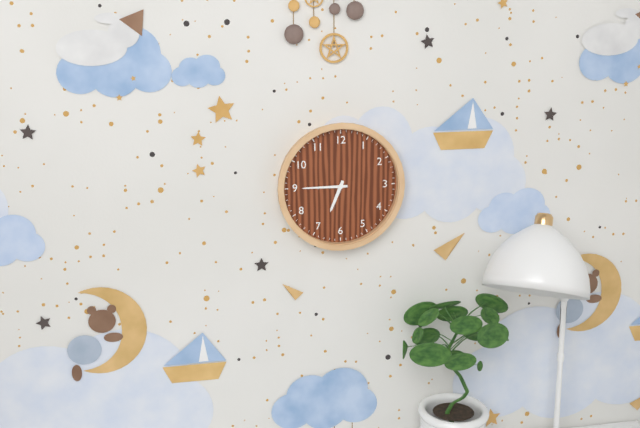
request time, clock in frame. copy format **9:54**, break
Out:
**6:45**
